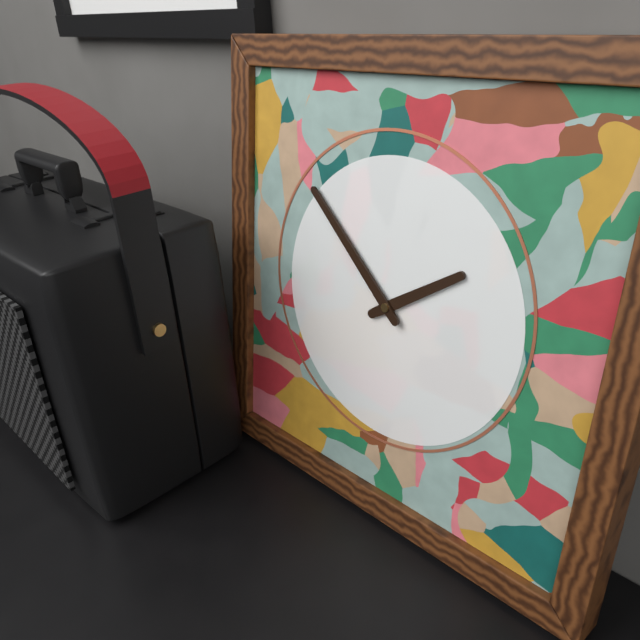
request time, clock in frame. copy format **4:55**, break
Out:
**1:52**
